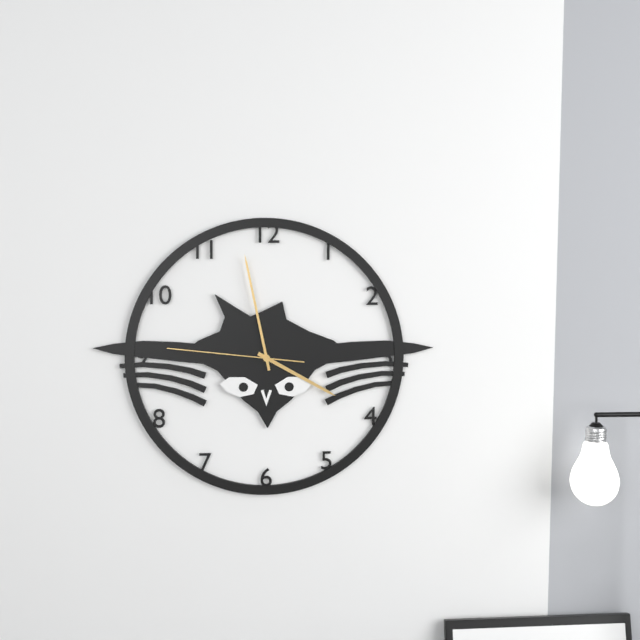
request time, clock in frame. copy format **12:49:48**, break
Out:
**3:58:46**
